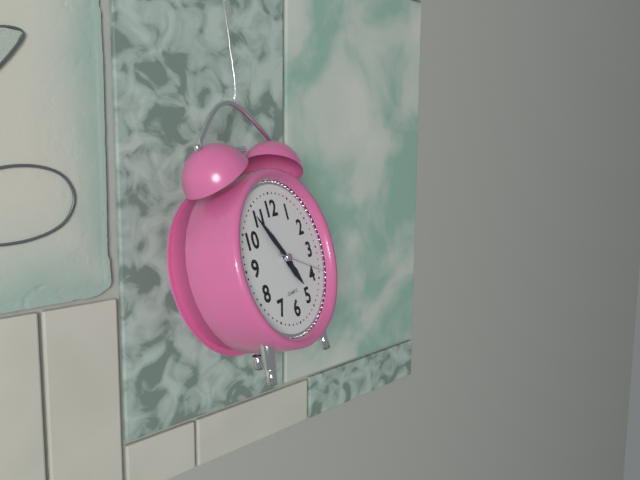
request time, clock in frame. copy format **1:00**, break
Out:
**4:54**
